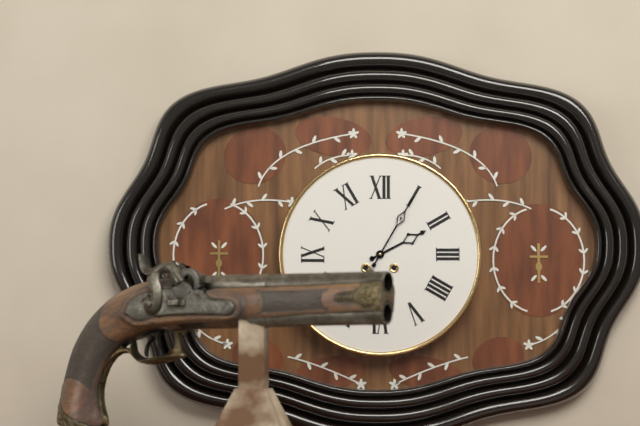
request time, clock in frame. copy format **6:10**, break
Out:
**2:05**
